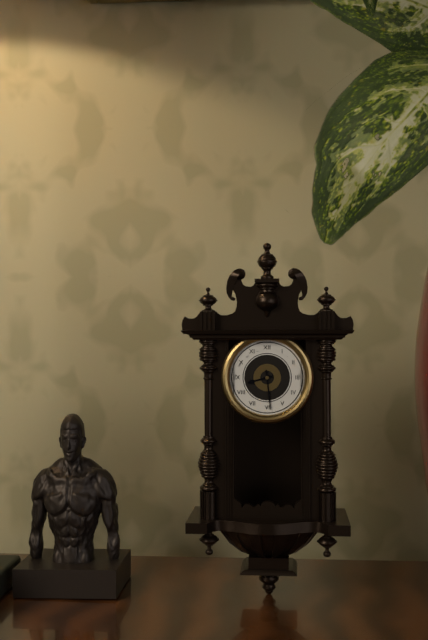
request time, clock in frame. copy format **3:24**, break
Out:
**8:29**
